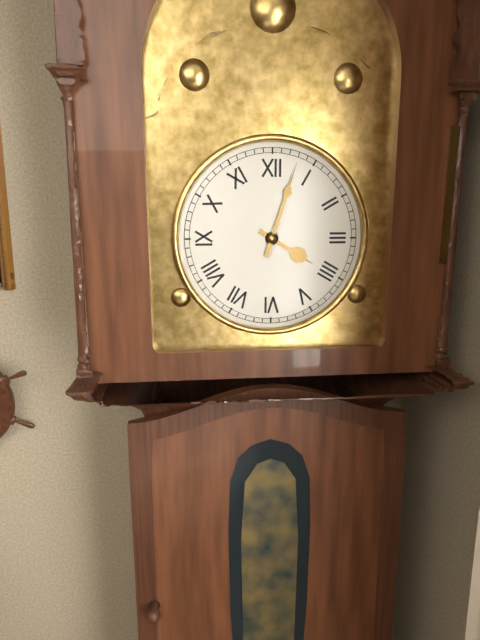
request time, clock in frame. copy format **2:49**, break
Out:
**4:03**
